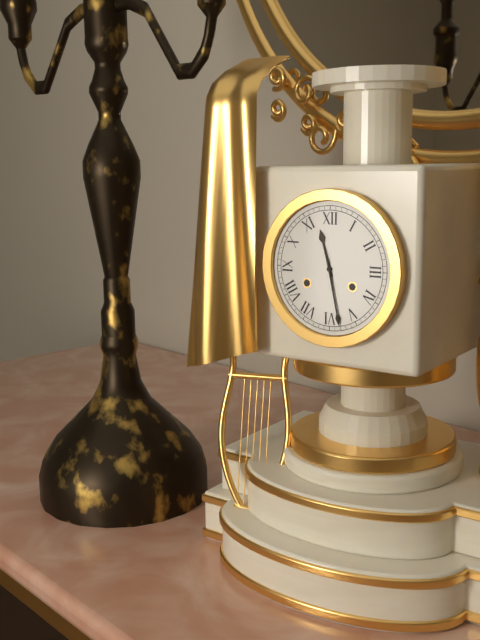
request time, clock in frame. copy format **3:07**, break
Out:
**11:28**
